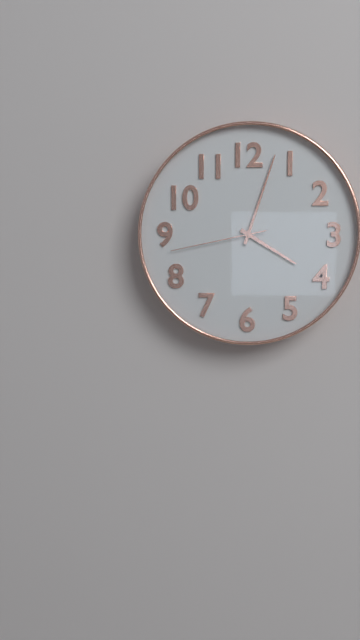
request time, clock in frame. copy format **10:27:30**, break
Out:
**4:03:43**
